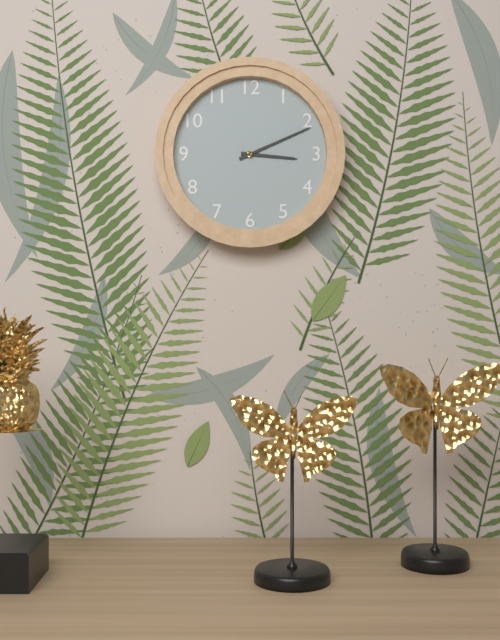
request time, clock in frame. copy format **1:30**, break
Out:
**3:11**
